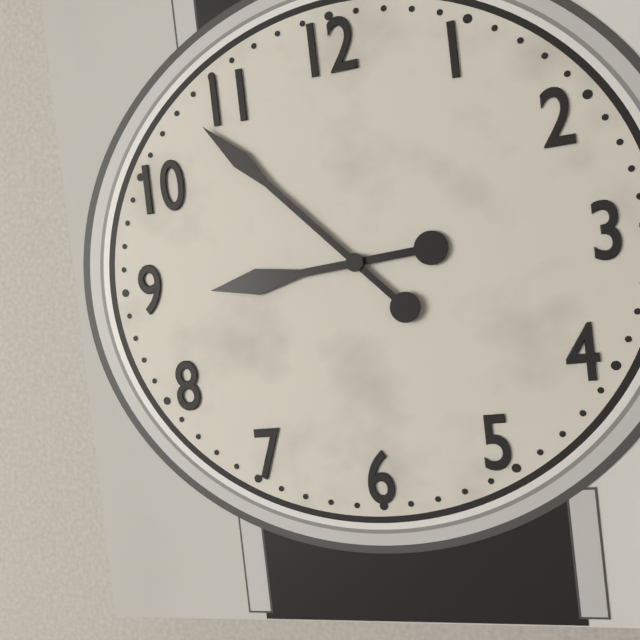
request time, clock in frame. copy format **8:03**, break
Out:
**8:53**
